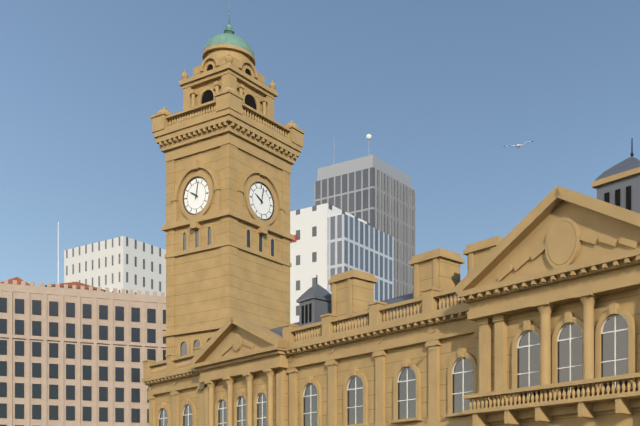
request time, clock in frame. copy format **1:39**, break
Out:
**10:02**
